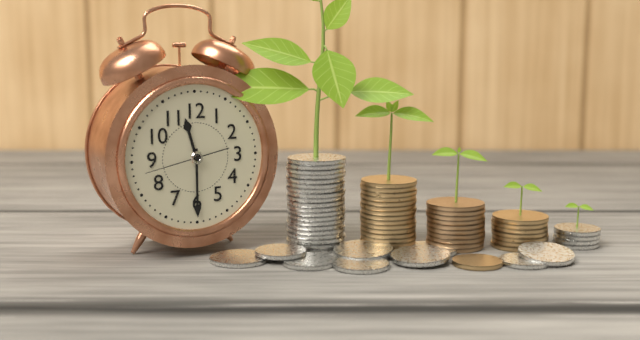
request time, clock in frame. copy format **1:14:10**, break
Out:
**11:30:43**
